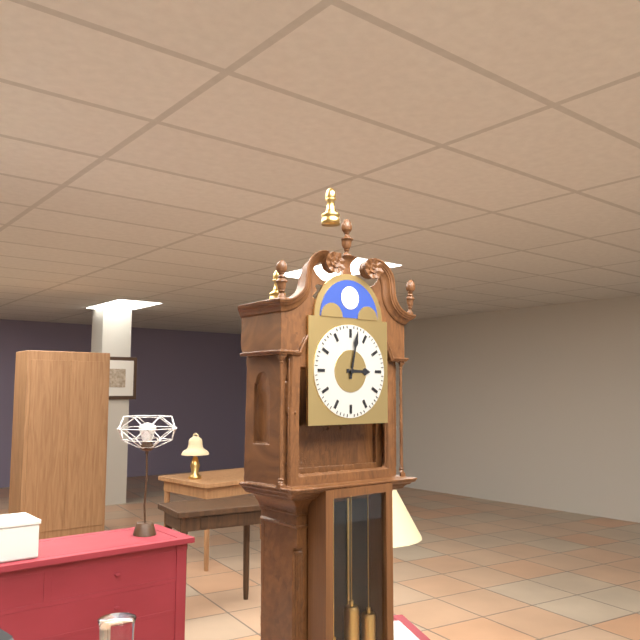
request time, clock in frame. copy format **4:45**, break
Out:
**3:02**
